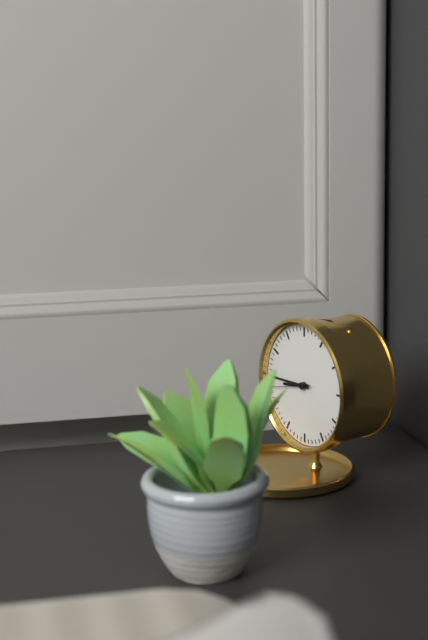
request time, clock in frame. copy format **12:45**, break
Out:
**8:45**
